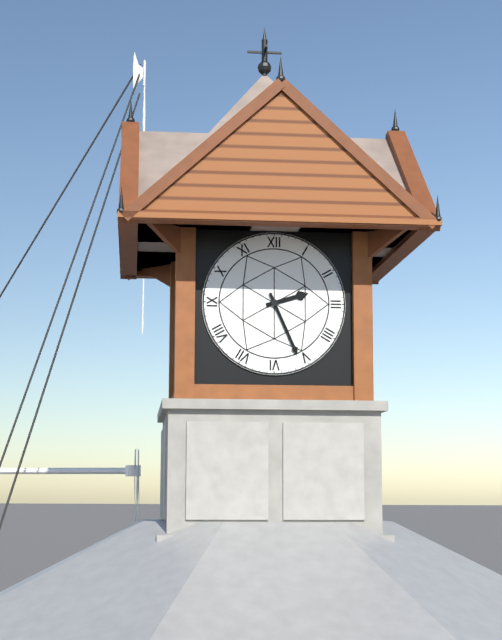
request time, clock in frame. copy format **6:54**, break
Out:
**2:26**
